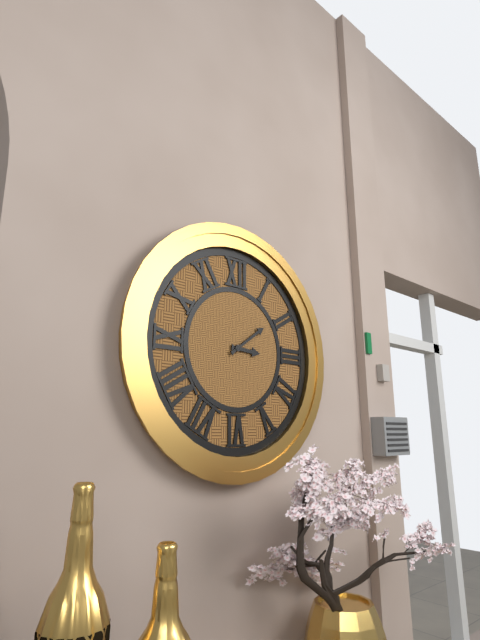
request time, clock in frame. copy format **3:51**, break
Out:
**3:09**
